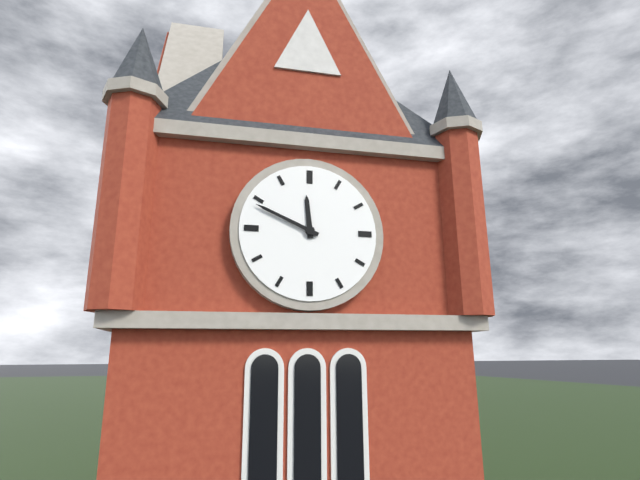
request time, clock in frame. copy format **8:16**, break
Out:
**11:49**
